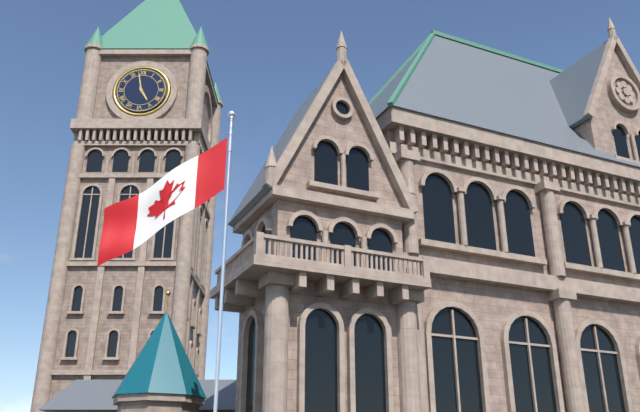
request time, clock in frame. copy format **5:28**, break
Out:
**4:58**
